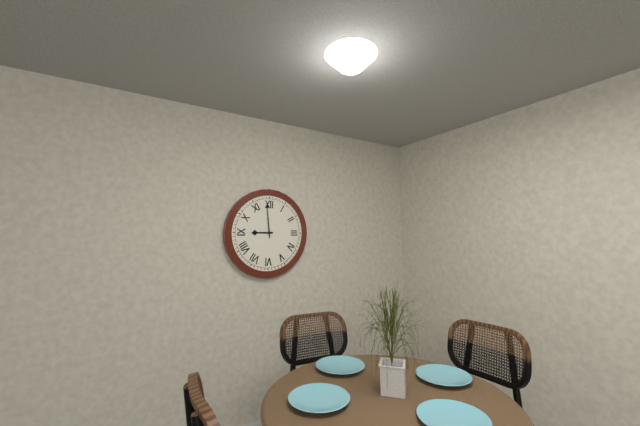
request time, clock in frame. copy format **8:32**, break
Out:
**8:59**
